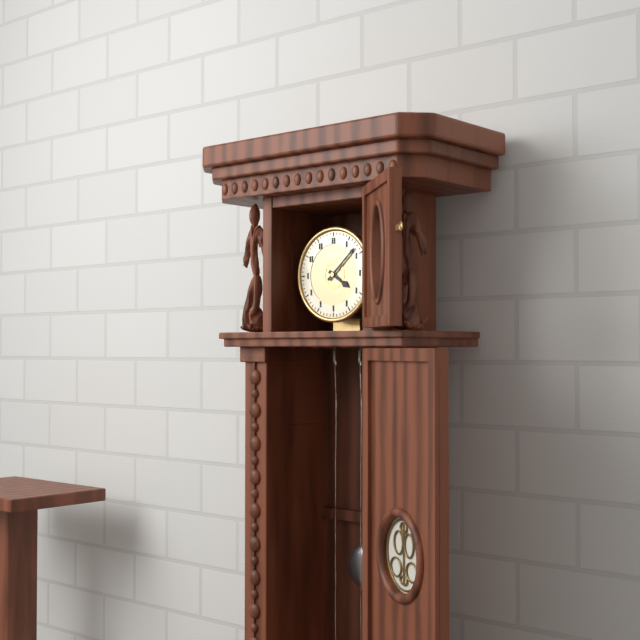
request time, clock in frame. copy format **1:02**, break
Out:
**4:08**
